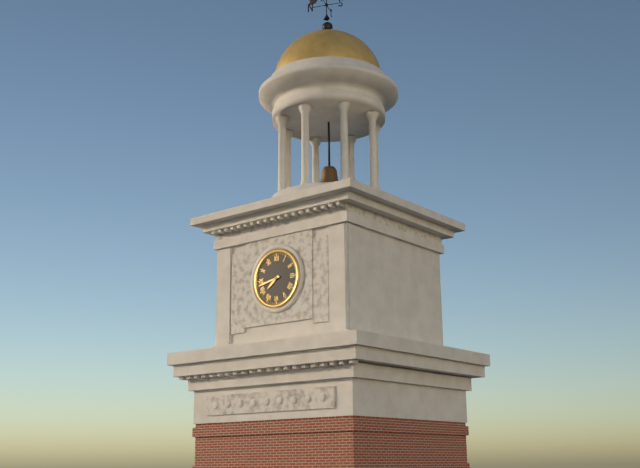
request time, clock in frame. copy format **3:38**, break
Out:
**7:43**
